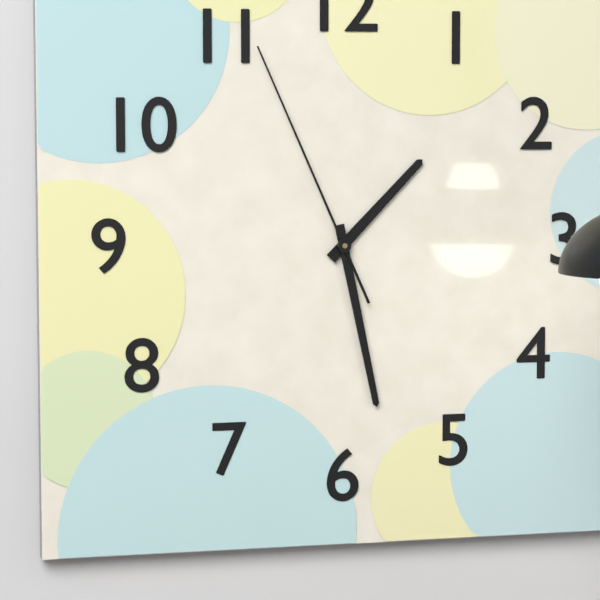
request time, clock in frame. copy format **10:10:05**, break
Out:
**1:28:56**
